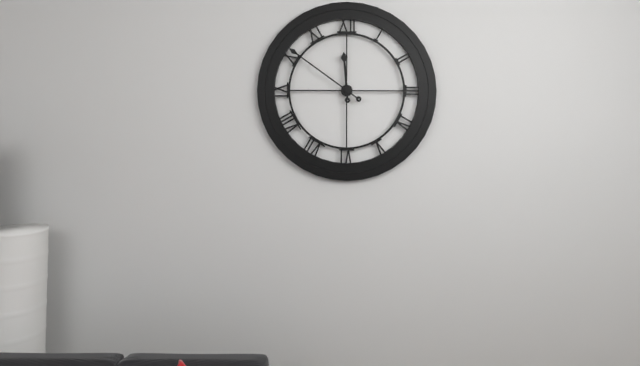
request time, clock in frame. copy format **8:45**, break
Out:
**11:51**
